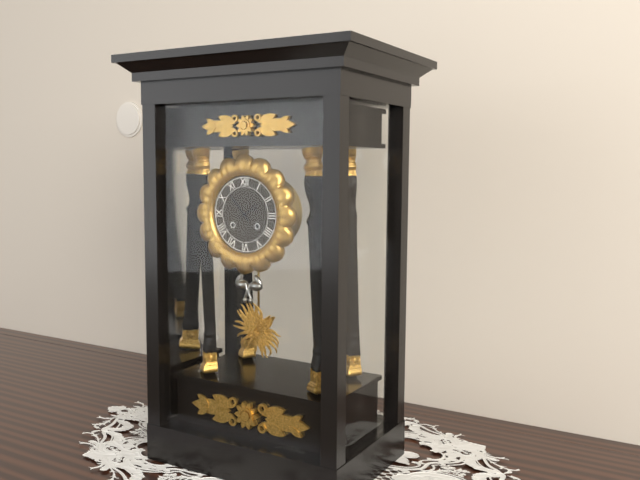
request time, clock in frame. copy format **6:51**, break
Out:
**1:53**
